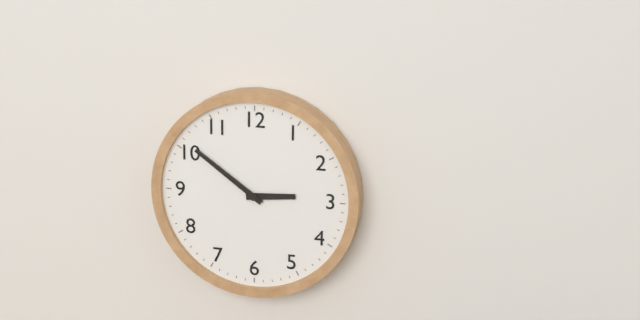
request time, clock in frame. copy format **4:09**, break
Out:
**2:51**
